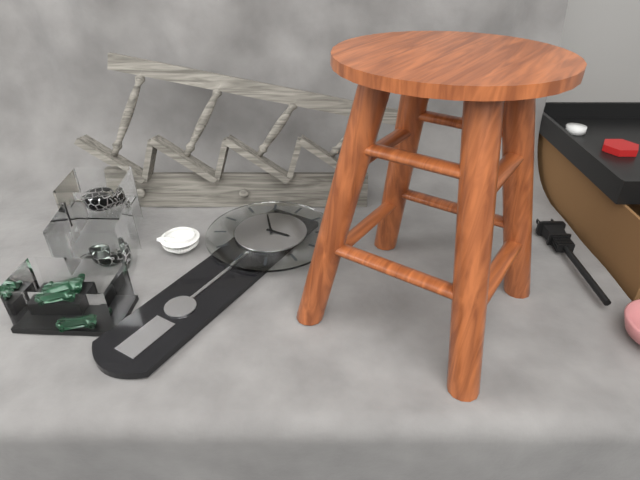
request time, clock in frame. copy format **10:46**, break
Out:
**2:53**
